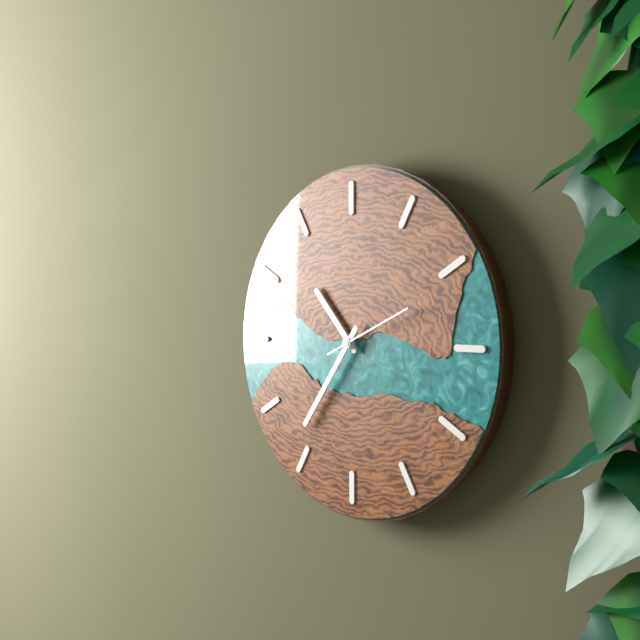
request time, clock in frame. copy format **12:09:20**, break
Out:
**10:36:11**
